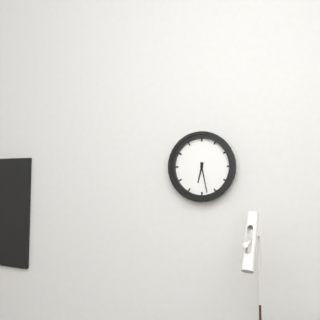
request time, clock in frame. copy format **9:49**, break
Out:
**6:28**
